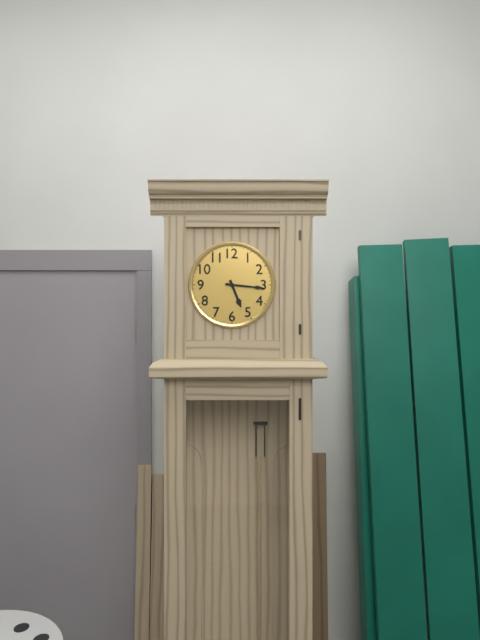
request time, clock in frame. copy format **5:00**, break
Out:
**5:16**
